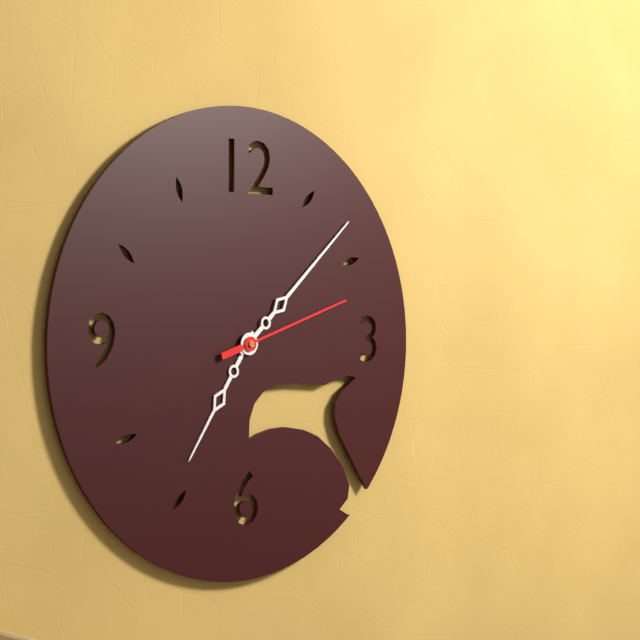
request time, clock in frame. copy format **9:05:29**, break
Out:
**7:08:12**
